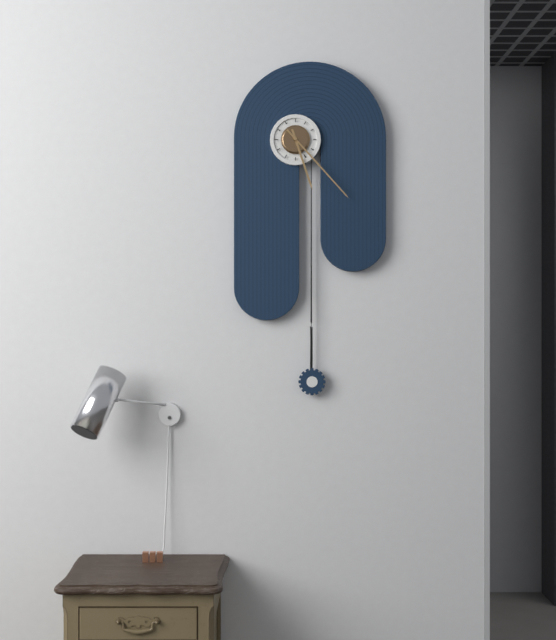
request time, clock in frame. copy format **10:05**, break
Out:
**5:23**
